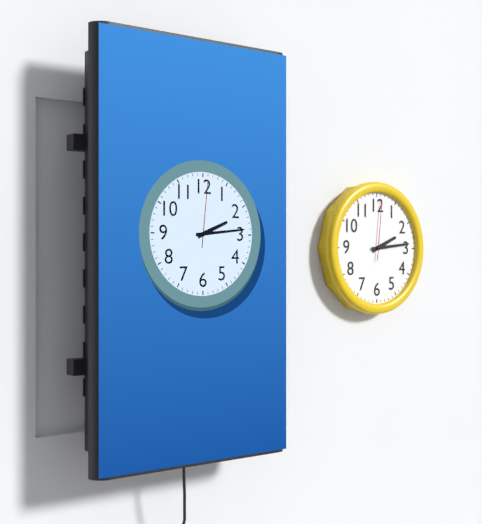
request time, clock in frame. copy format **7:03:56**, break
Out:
**2:14:01**
